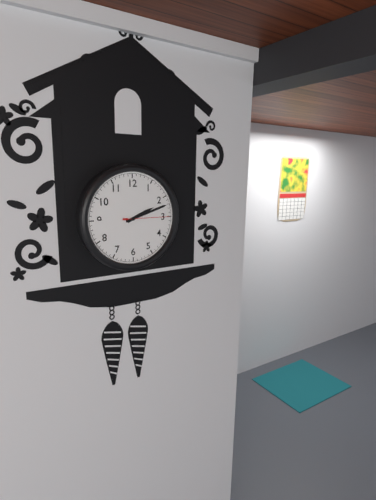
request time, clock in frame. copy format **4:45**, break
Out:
**2:12**
